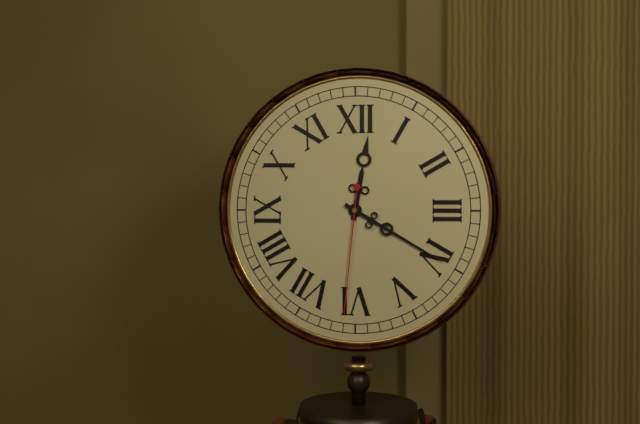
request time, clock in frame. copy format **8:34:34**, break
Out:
**12:20:31**
